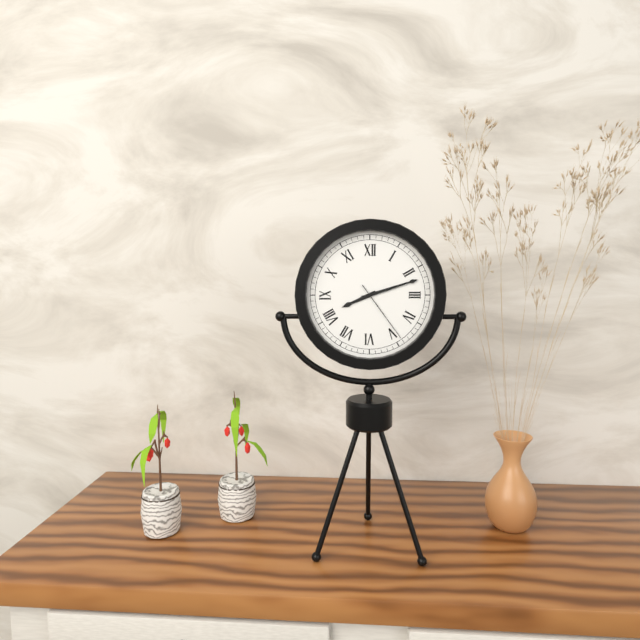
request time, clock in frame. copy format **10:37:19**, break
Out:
**8:12:24**
